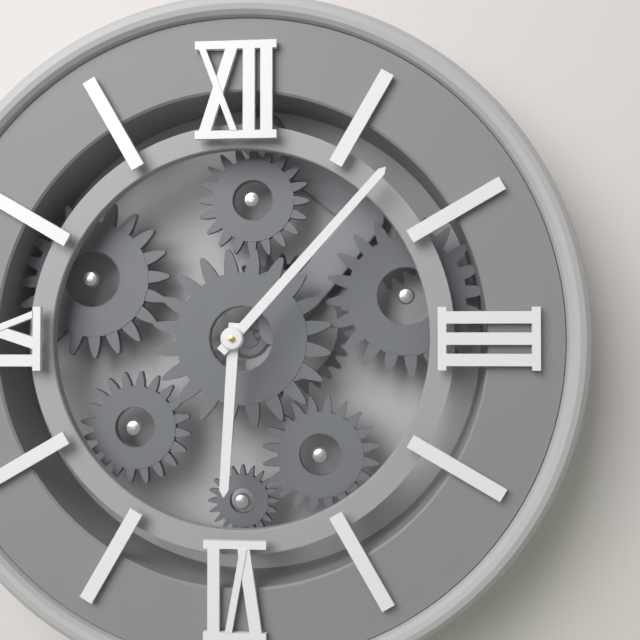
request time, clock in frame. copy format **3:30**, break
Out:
**6:07**
